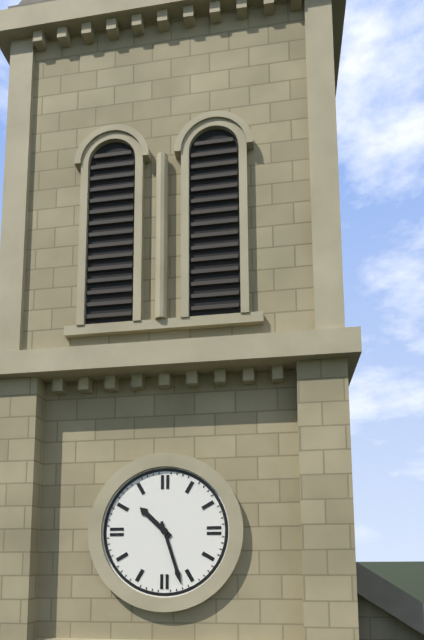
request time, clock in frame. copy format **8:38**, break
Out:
**10:27**
